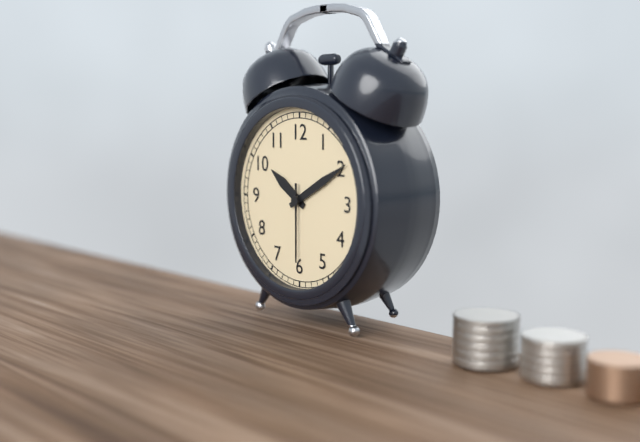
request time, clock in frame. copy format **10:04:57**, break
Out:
**10:10:30**
